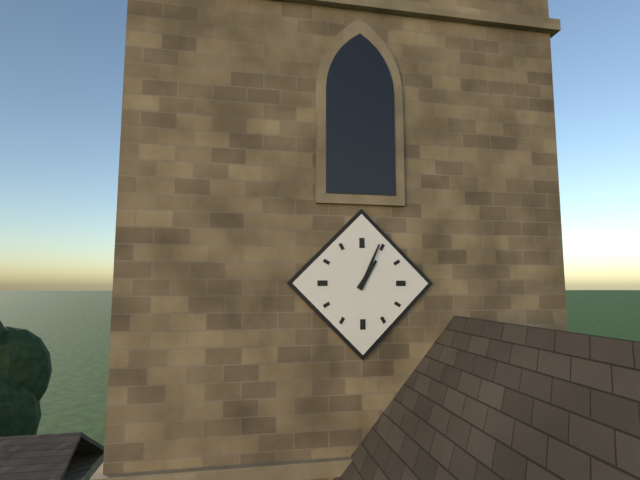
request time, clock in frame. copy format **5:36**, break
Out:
**1:04**
